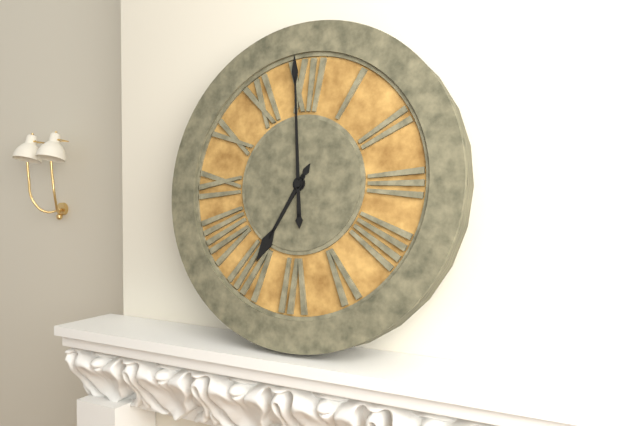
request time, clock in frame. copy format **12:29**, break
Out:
**6:59**
